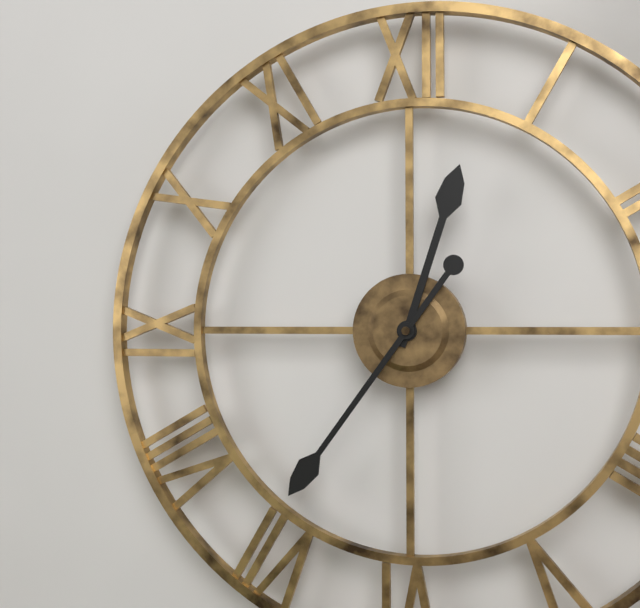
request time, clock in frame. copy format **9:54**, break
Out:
**12:36**
